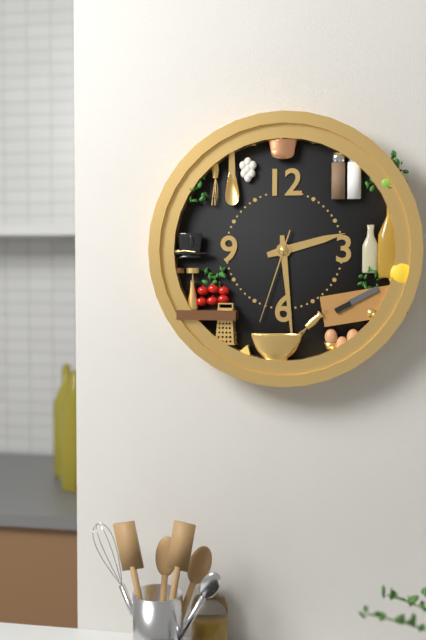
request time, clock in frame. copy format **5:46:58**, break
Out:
**2:29:33**
